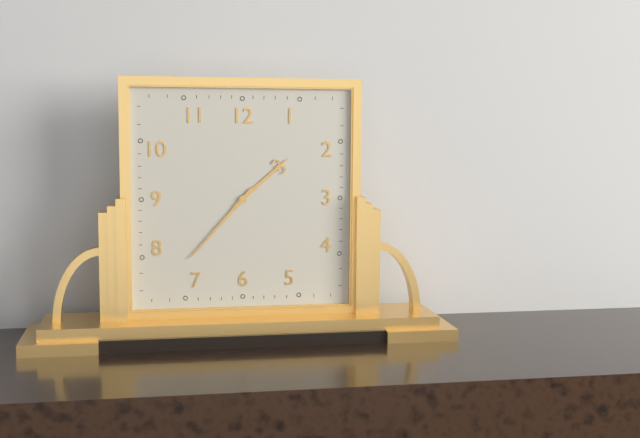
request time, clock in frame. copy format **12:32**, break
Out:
**1:37**
